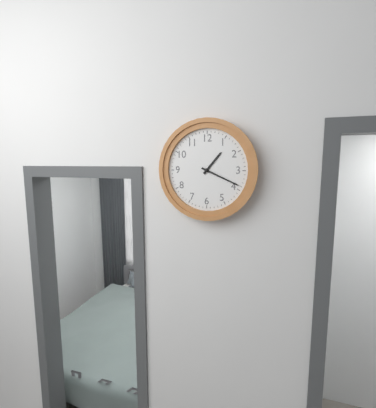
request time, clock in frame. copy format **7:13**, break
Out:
**1:19**
